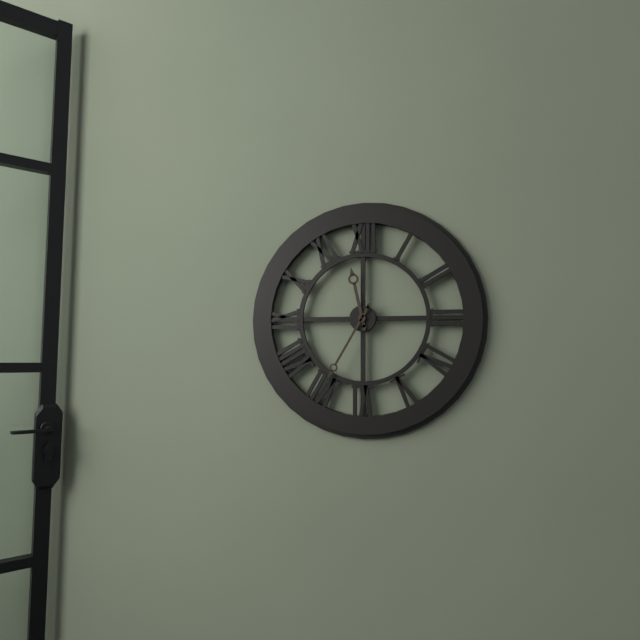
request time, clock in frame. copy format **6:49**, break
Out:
**11:35**
